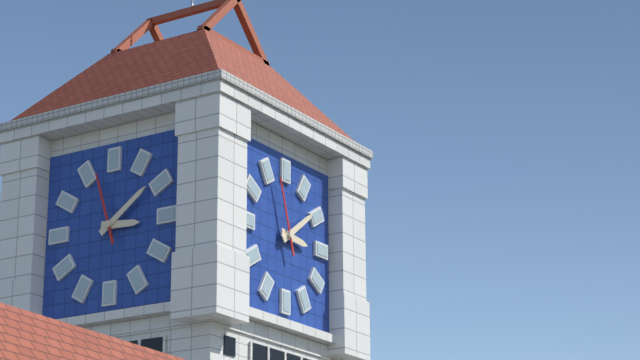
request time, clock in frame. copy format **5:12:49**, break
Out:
**3:09:57**
